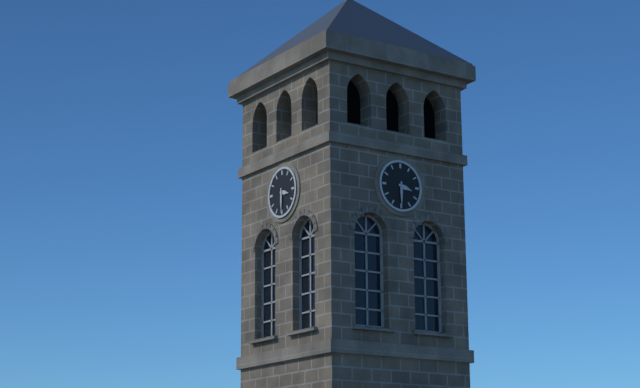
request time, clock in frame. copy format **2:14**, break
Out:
**3:30**
